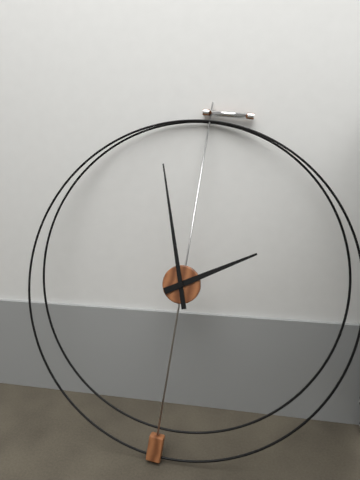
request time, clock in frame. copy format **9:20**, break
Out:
**1:57**
